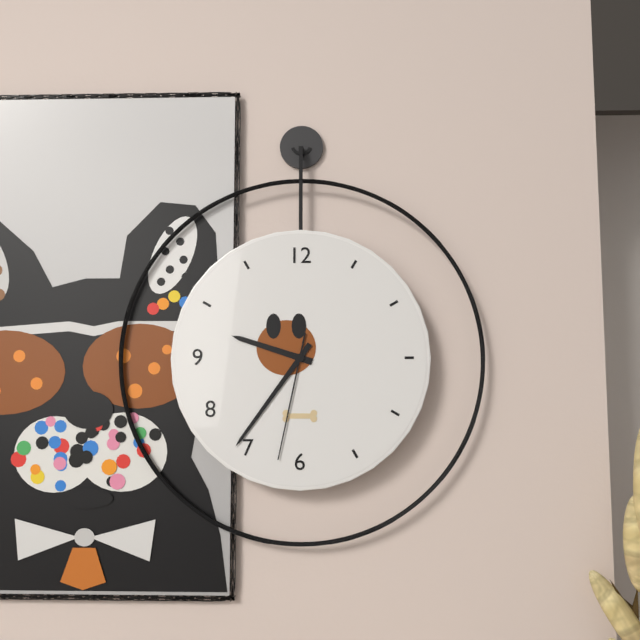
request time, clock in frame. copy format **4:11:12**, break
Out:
**9:36:32**
